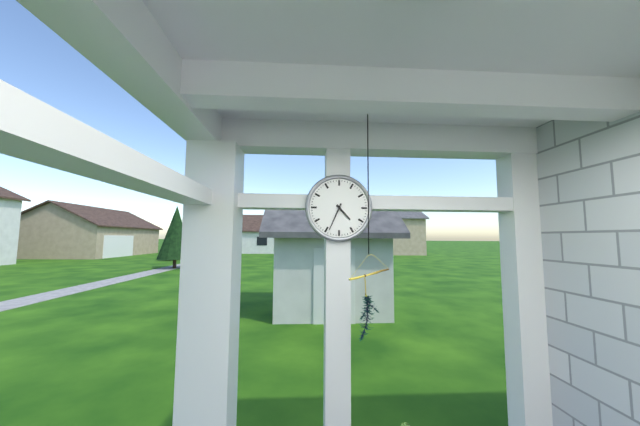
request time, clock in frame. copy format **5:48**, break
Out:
**4:34**
